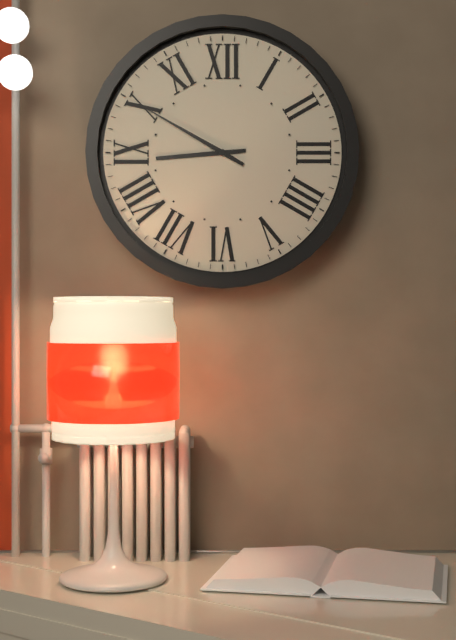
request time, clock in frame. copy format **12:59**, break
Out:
**8:50**
